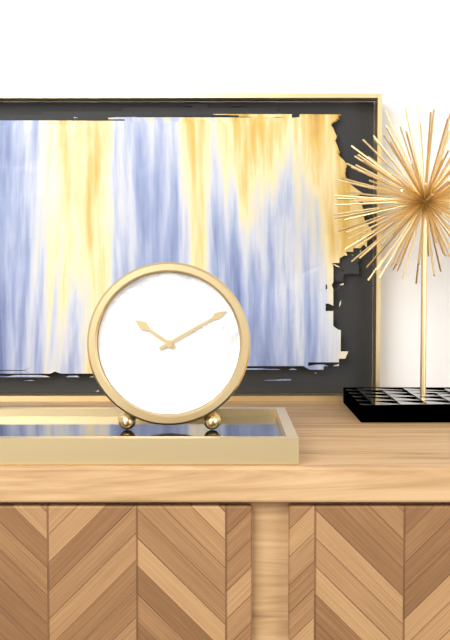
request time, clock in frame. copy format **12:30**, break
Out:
**10:10**
